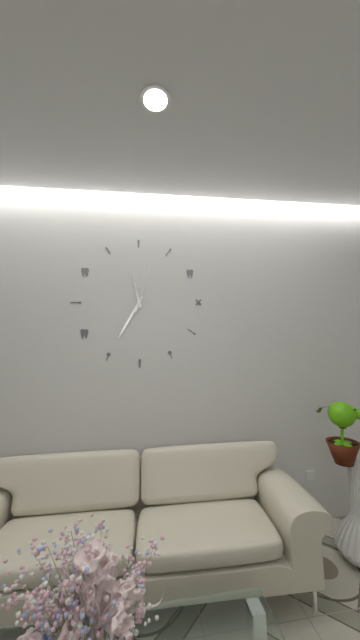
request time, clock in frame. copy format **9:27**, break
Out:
**11:35**
